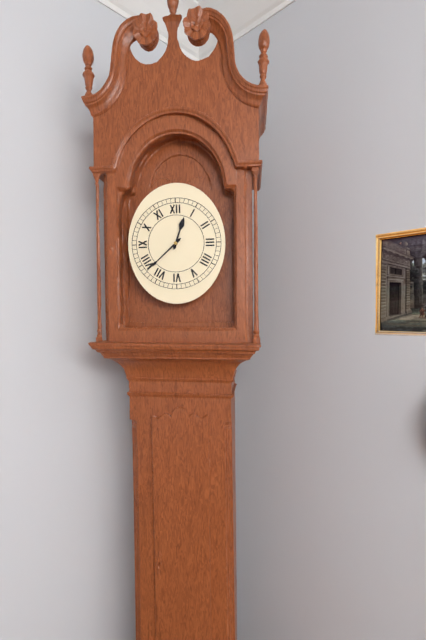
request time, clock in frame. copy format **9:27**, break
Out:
**12:38**
